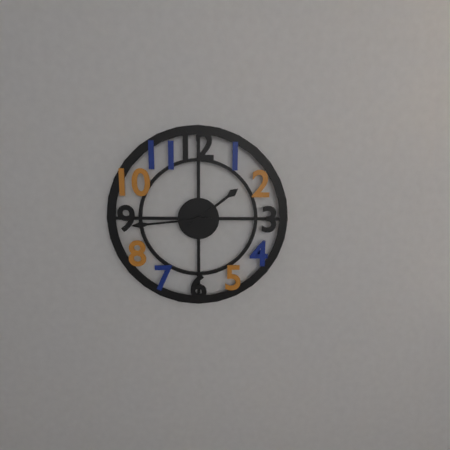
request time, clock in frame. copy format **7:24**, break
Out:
**1:44**
